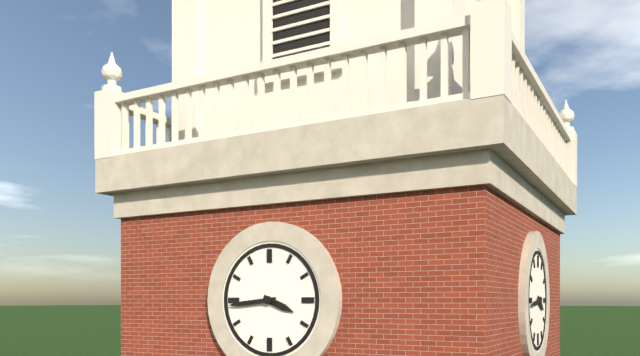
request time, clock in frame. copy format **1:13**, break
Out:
**3:44**
